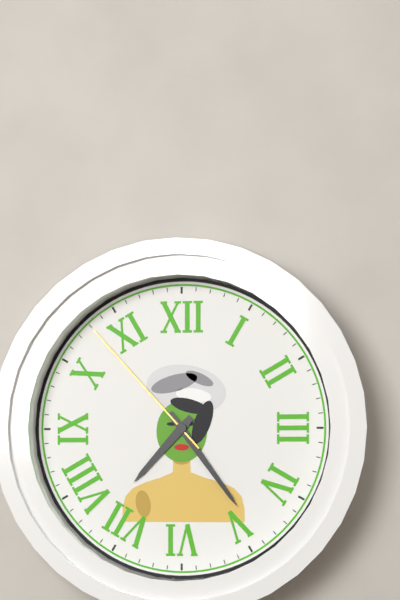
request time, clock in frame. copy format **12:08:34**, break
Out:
**7:24:53**
